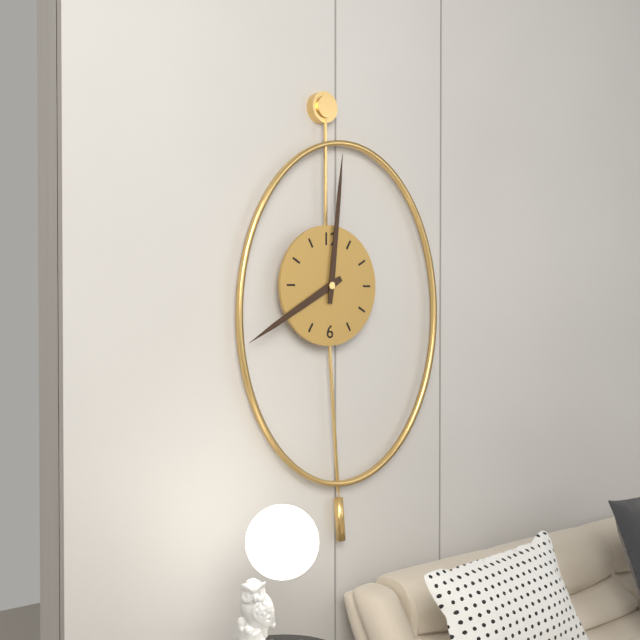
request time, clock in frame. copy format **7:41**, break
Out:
**8:01**
